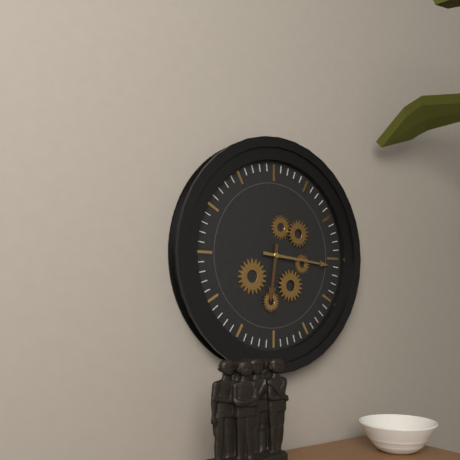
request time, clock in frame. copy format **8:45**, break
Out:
**6:16**
